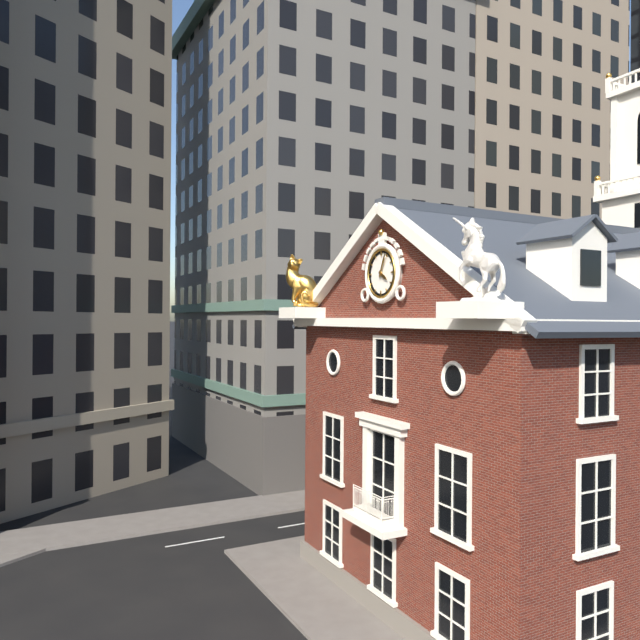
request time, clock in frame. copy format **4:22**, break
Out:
**4:04**
